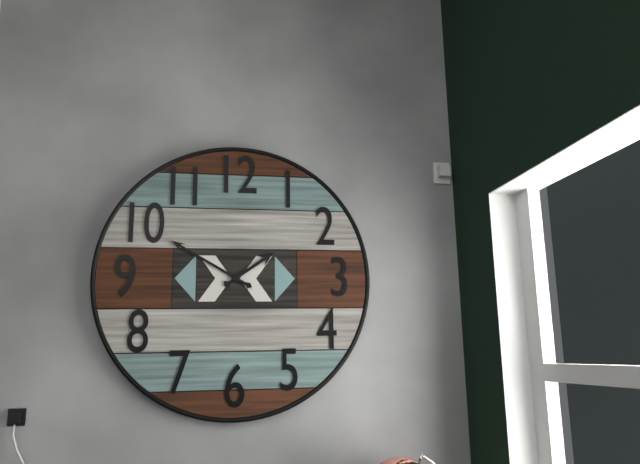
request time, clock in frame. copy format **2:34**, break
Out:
**1:50**
